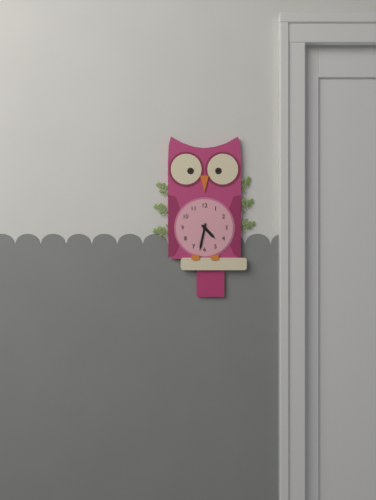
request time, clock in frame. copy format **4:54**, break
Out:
**4:32**
